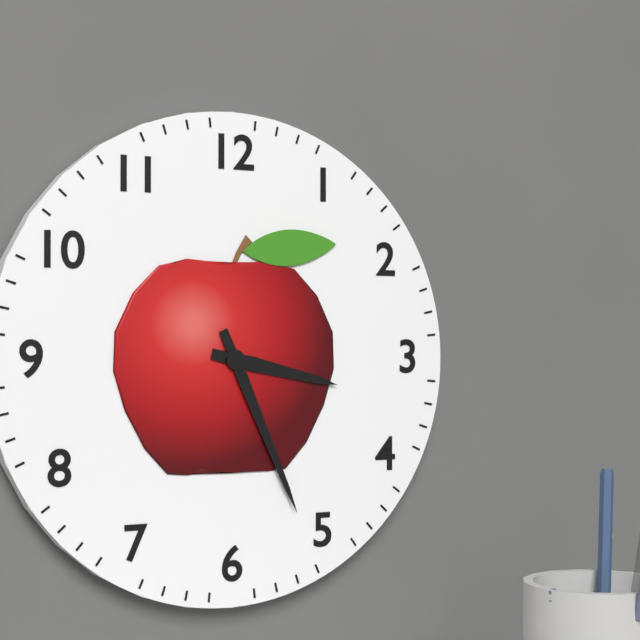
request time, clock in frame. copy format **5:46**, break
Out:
**3:26**
